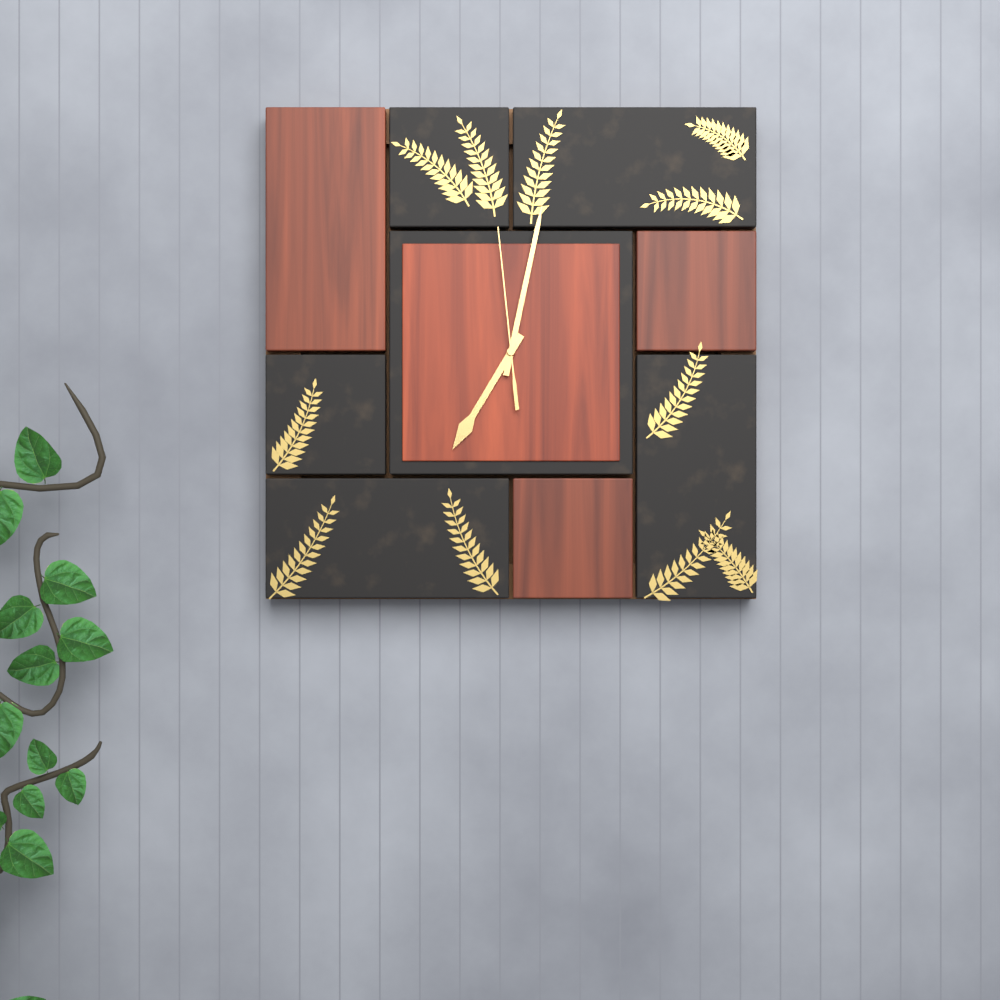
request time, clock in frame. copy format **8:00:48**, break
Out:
**7:02:59**
